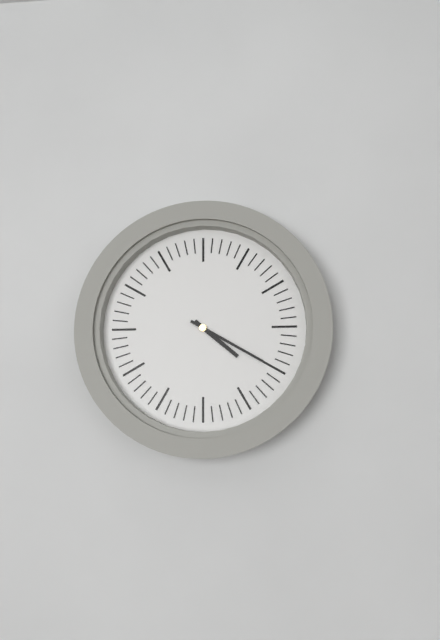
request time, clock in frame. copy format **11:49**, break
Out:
**4:20**
